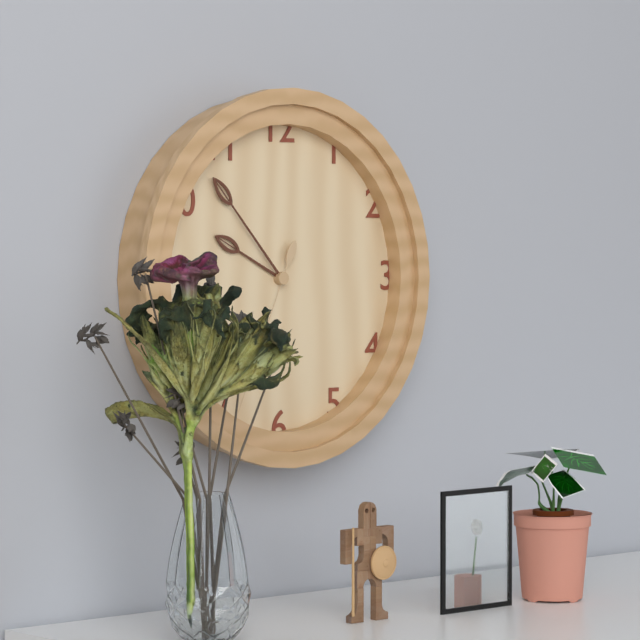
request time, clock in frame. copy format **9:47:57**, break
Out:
**9:53:34**
